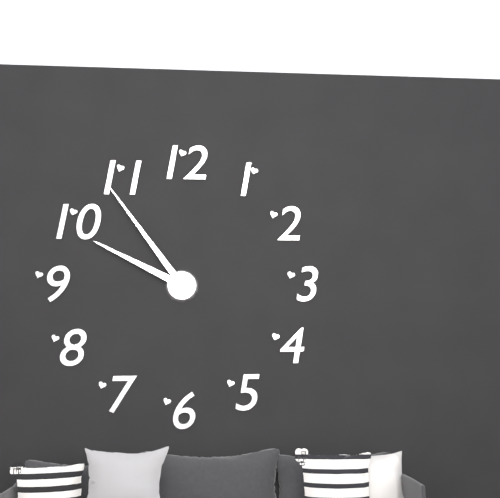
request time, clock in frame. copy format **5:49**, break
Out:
**9:54**
